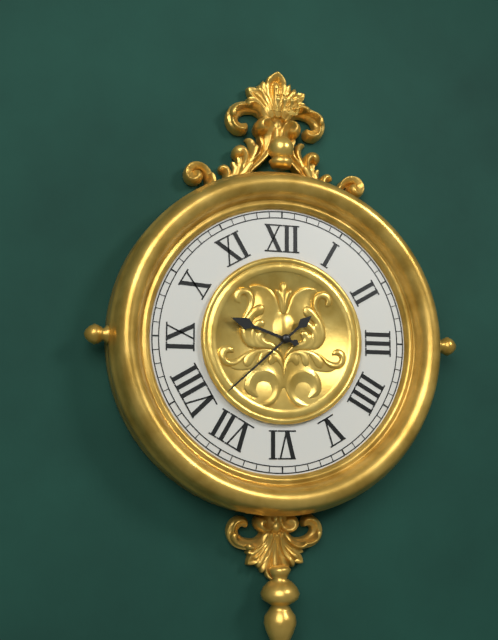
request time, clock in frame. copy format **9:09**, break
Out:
**9:38**
